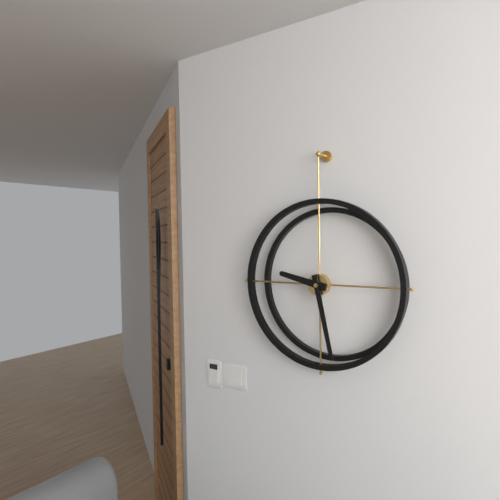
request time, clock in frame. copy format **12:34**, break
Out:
**9:28**
